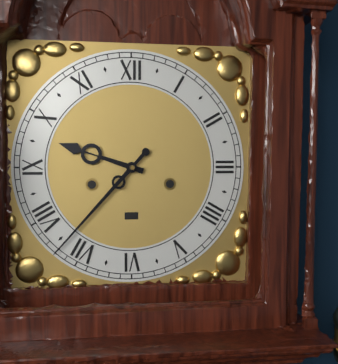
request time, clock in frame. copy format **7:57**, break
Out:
**9:37**
